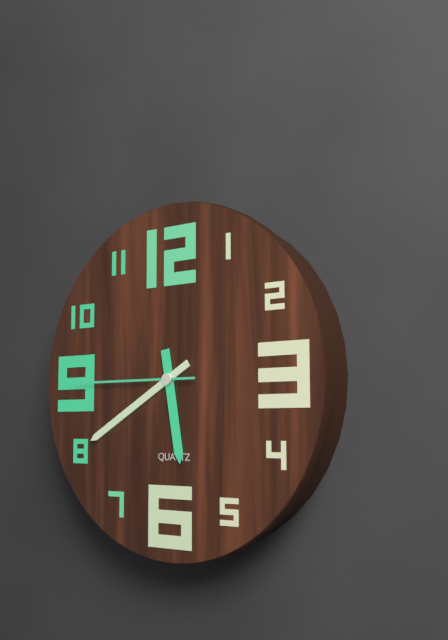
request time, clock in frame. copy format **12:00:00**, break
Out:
**5:40:45**
